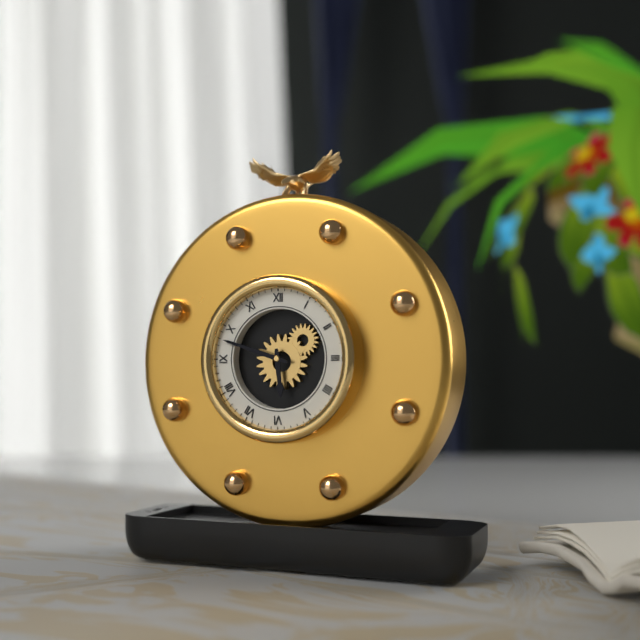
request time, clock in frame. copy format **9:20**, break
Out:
**5:48**
